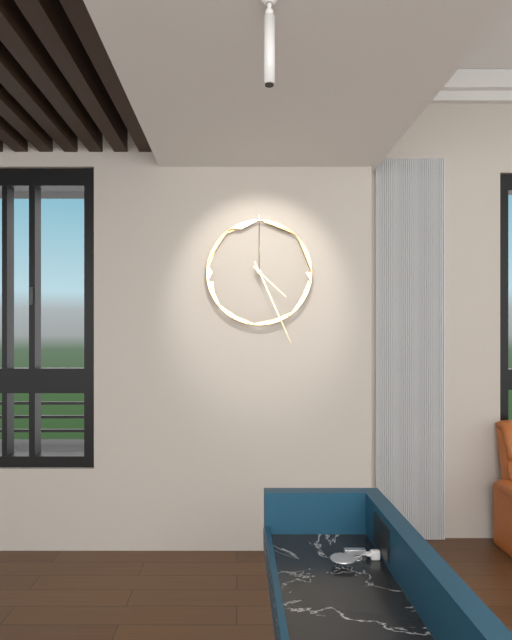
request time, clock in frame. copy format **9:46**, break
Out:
**4:26**
